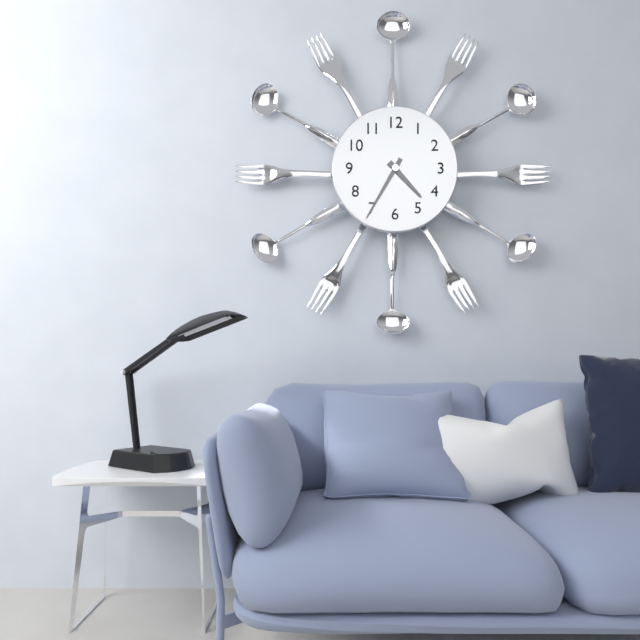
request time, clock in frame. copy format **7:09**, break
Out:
**4:35**
